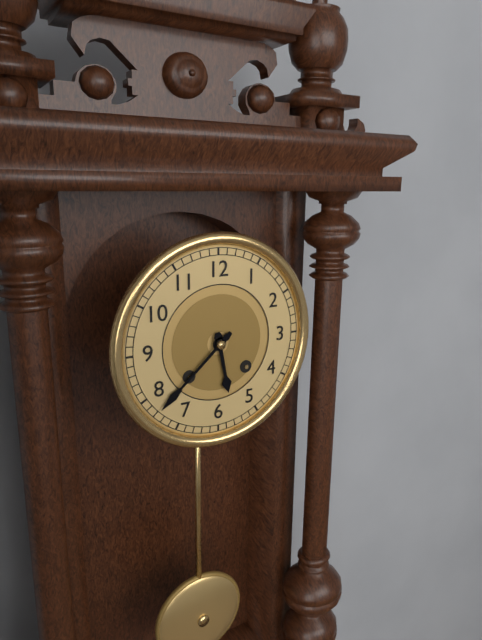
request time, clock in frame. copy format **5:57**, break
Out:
**5:38**
